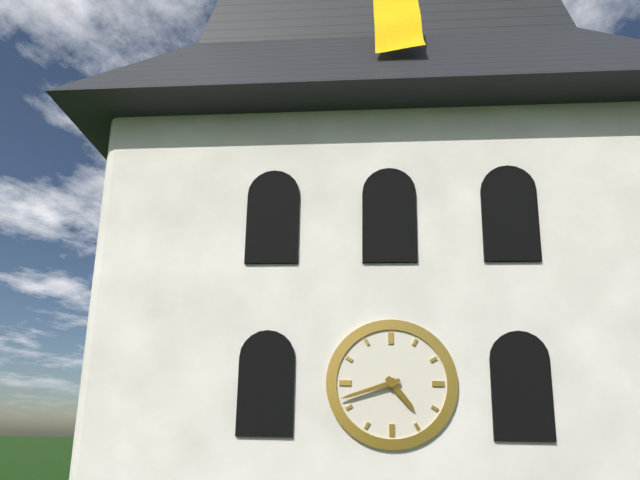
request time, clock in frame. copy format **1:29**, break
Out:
**4:42**
